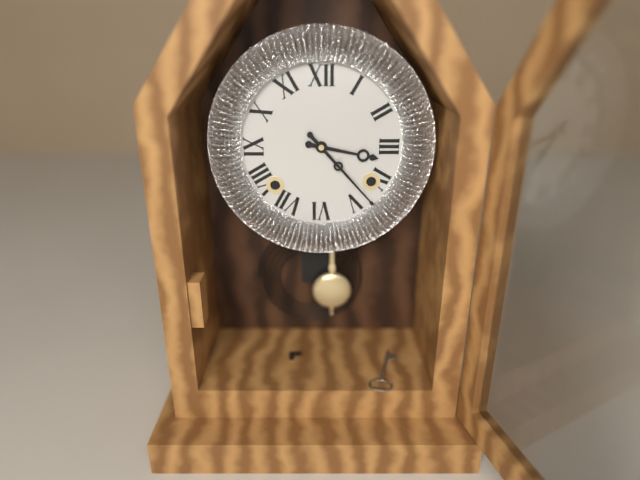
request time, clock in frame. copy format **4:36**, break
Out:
**3:23**
